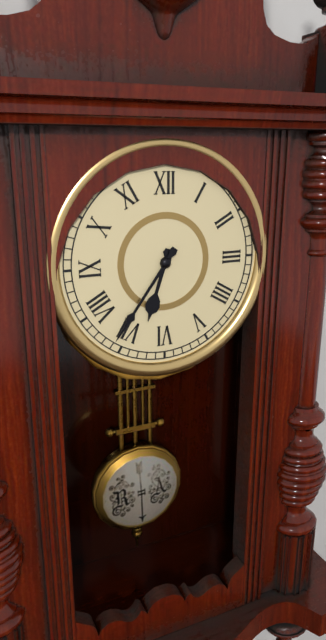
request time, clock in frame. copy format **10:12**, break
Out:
**6:36**
